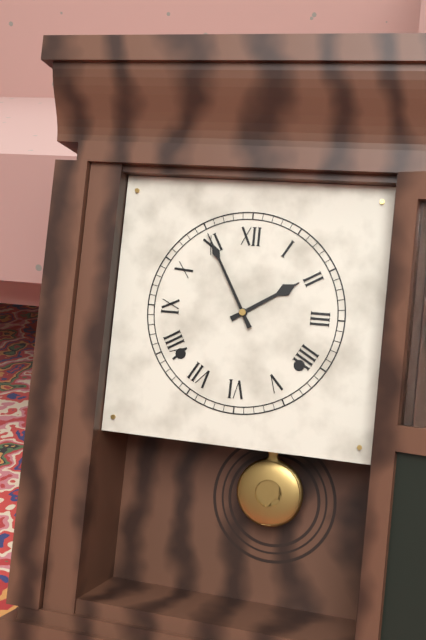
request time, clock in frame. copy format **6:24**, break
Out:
**1:55**
